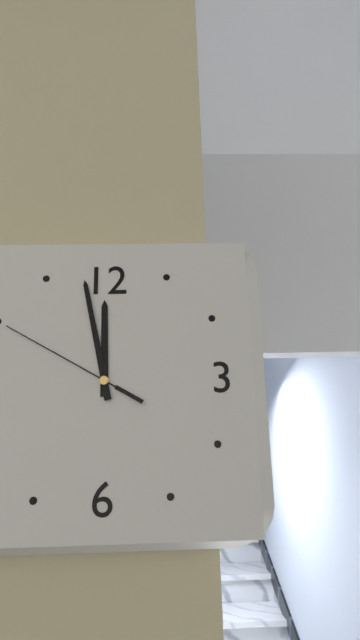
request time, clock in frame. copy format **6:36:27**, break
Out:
**11:58:50**
